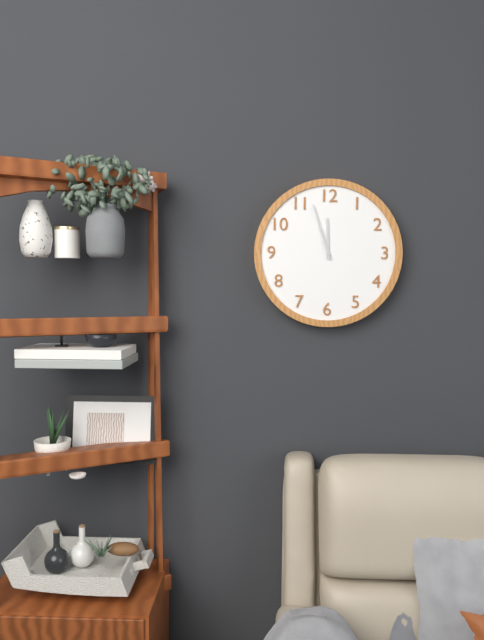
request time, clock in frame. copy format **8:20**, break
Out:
**11:57**
